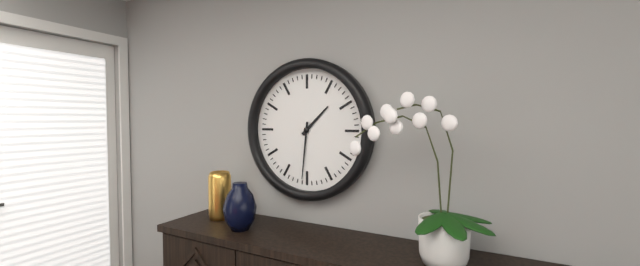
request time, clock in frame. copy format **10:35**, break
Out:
**1:31**
